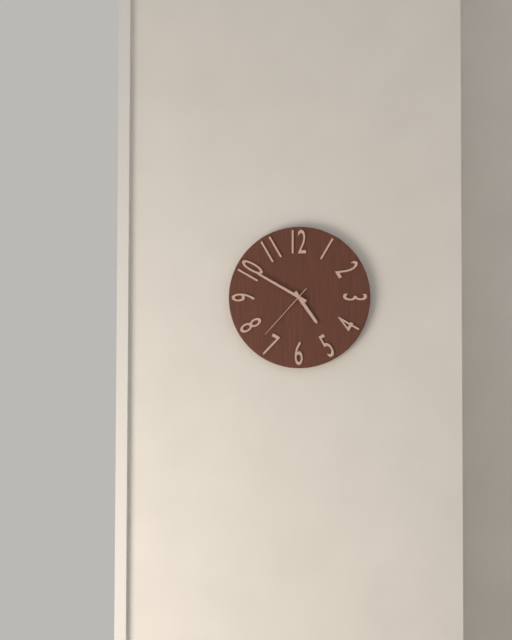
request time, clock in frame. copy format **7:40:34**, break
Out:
**4:50:37**
